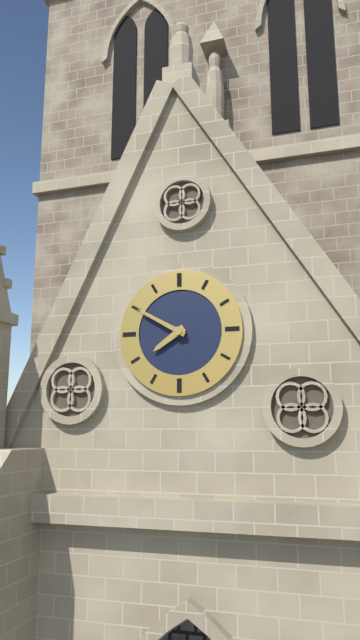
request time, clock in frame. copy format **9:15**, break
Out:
**7:50**
